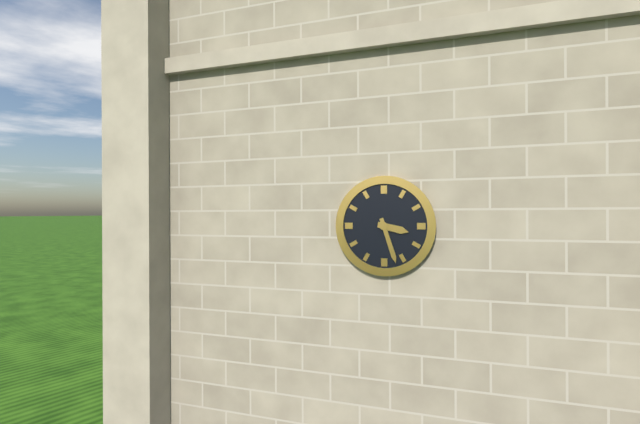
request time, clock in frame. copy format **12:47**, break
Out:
**3:27**
